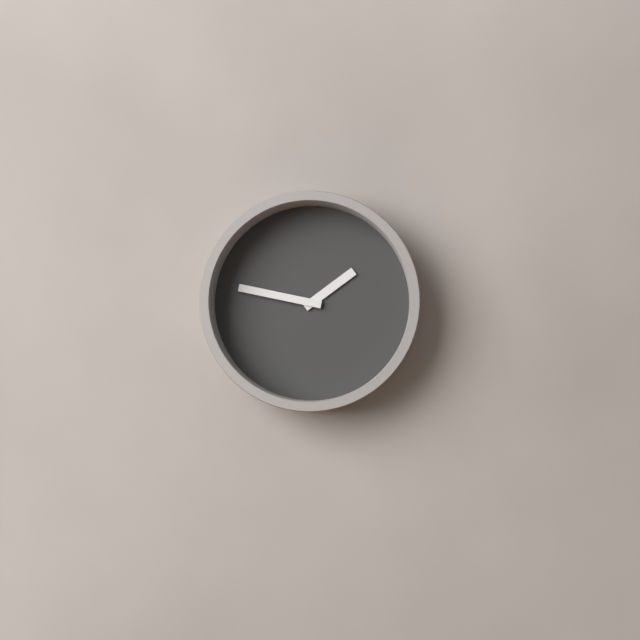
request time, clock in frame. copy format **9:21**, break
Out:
**1:47**
